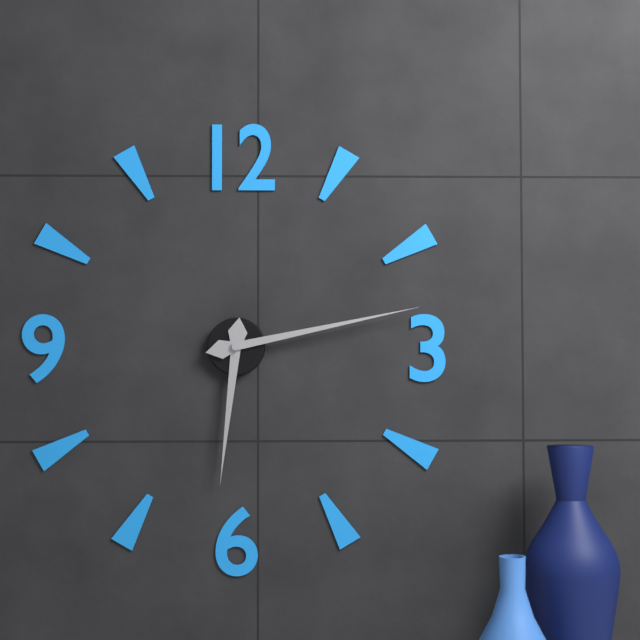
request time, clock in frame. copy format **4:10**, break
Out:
**6:13**
